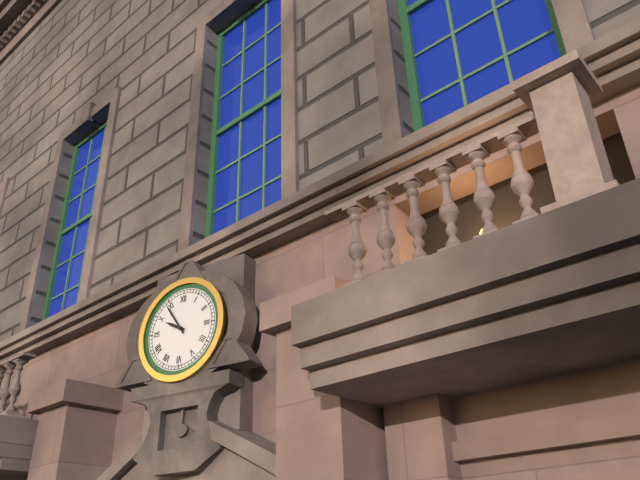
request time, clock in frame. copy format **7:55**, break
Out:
**9:54**
